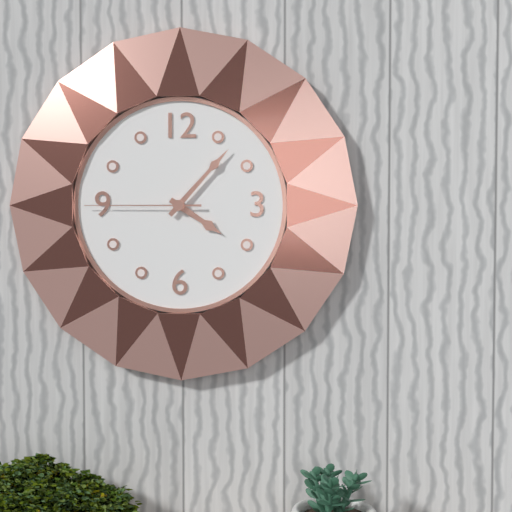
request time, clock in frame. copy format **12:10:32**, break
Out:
**4:07:45**
